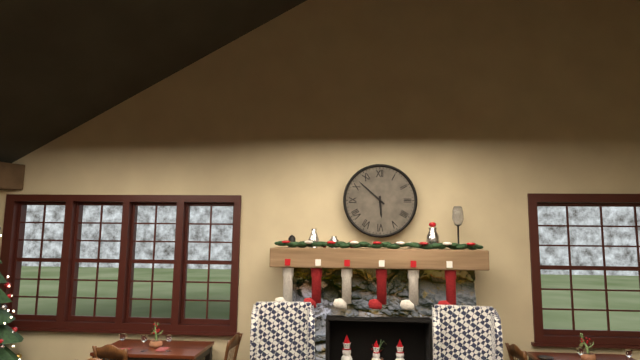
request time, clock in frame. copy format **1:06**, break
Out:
**5:52**
